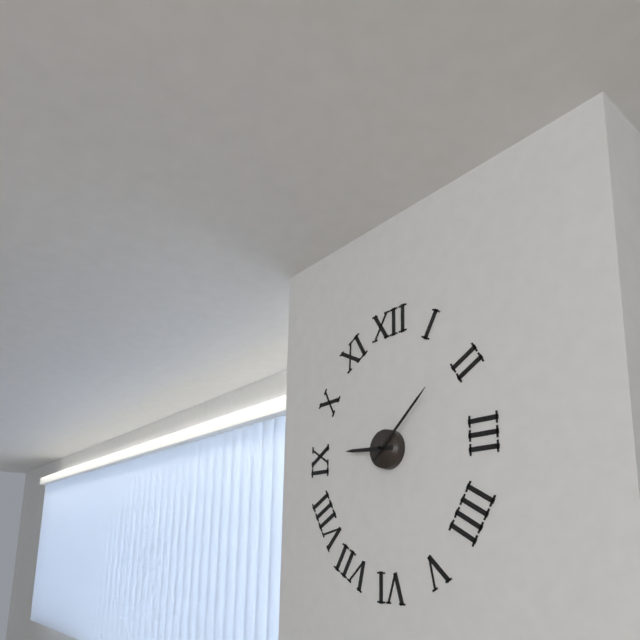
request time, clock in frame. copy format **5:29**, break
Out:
**9:08**
